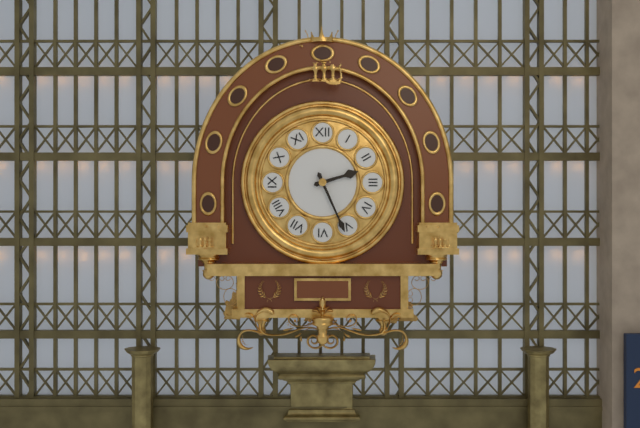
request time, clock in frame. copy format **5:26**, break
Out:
**2:26**
